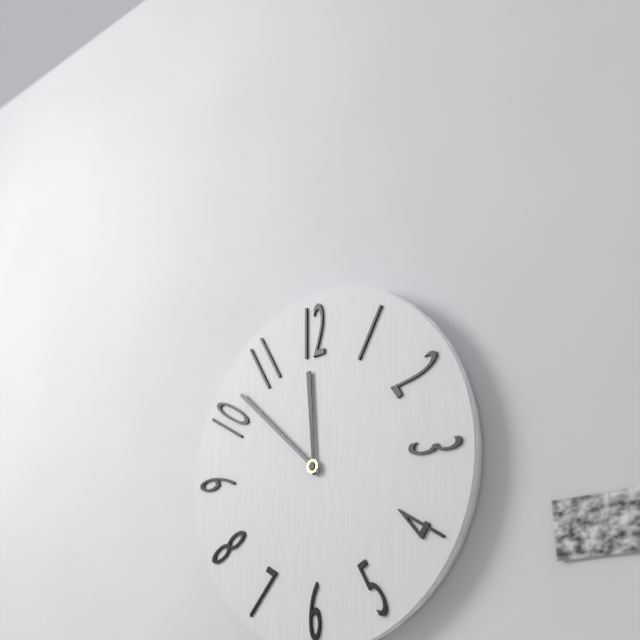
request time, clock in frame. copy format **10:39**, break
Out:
**11:52**
